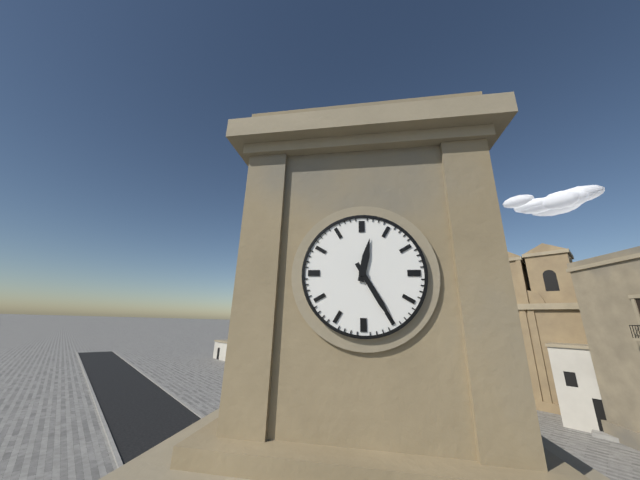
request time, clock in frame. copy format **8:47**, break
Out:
**12:25**
